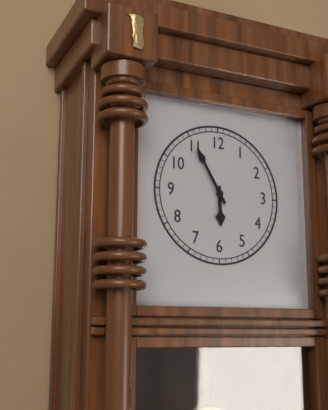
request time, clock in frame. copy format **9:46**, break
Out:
**5:55**
